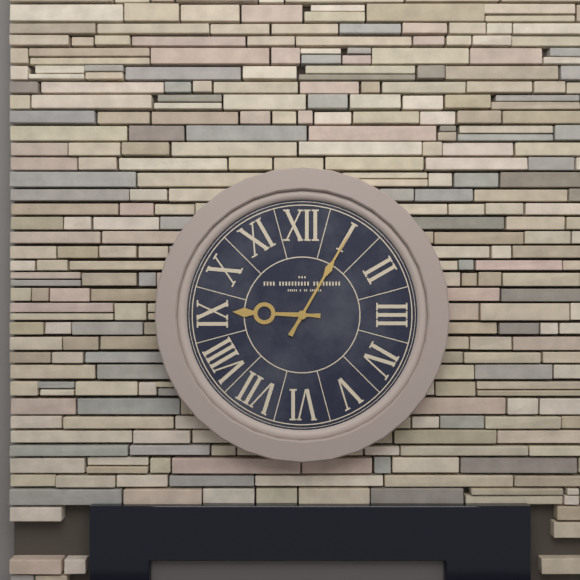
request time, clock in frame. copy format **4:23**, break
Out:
**9:05**
